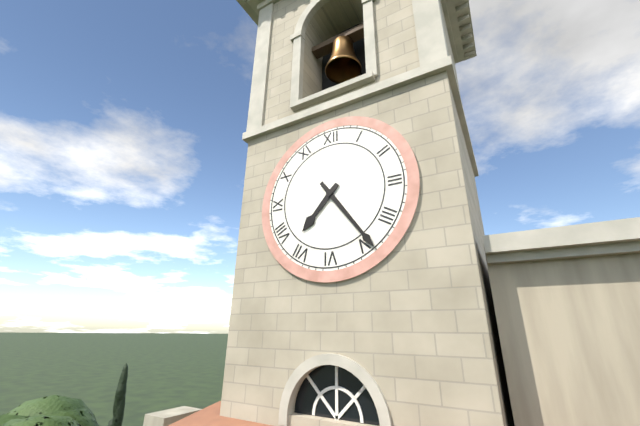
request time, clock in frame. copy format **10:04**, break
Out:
**7:24**
